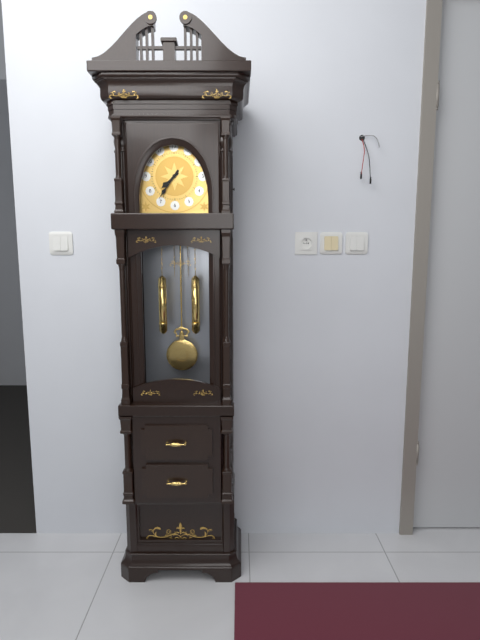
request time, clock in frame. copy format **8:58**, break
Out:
**7:36**
